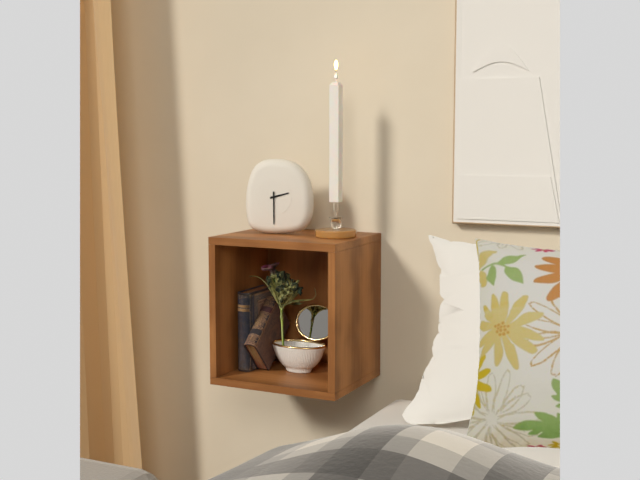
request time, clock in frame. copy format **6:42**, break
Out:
**2:30**
